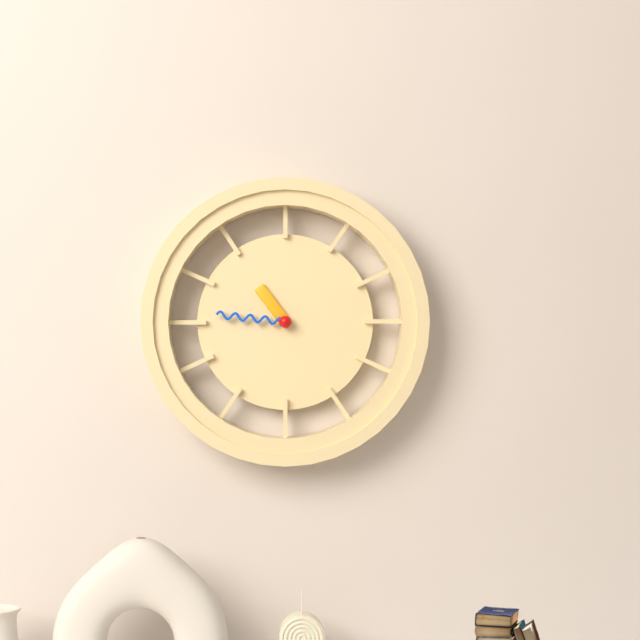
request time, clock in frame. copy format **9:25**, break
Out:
**10:46**
